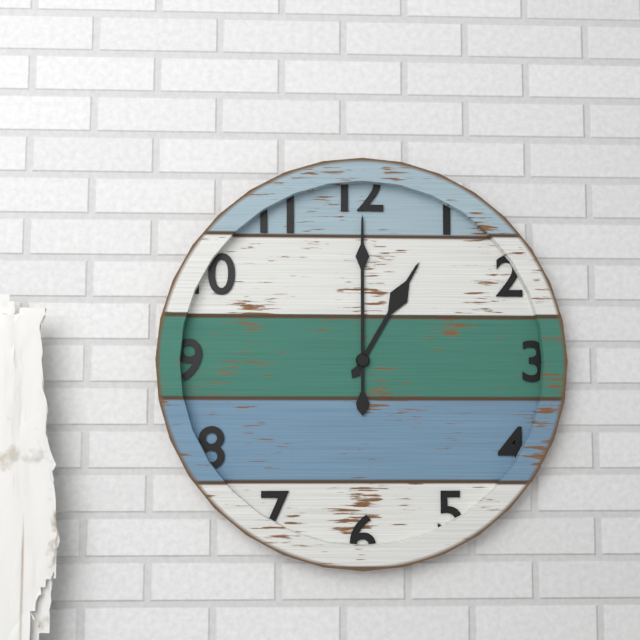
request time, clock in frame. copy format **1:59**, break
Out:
**1:00**
